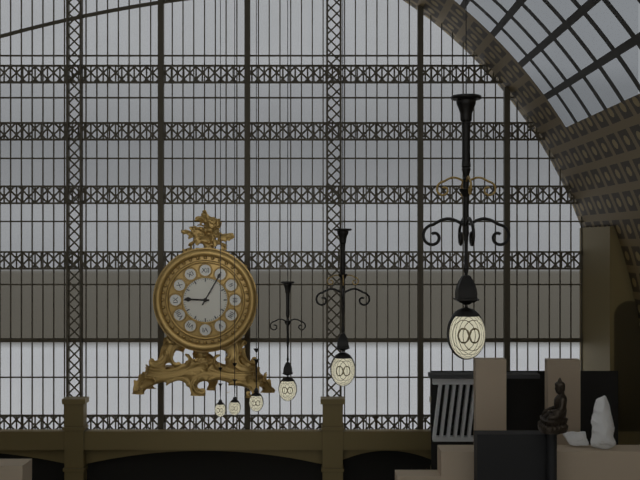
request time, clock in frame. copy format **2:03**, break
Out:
**9:05**
